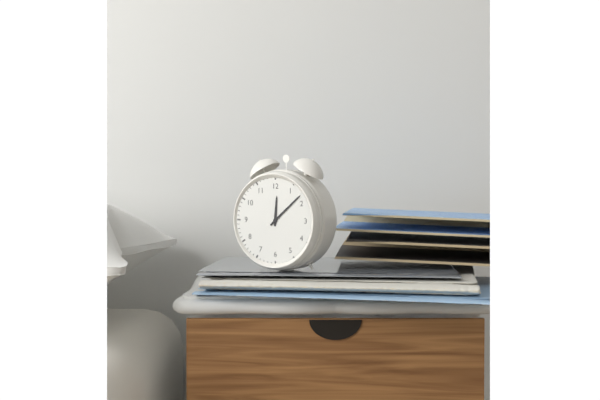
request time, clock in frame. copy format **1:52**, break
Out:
**12:08**
